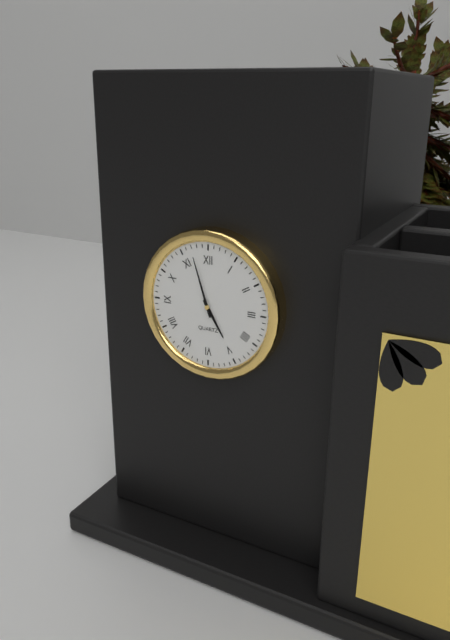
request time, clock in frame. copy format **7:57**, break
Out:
**4:57**
